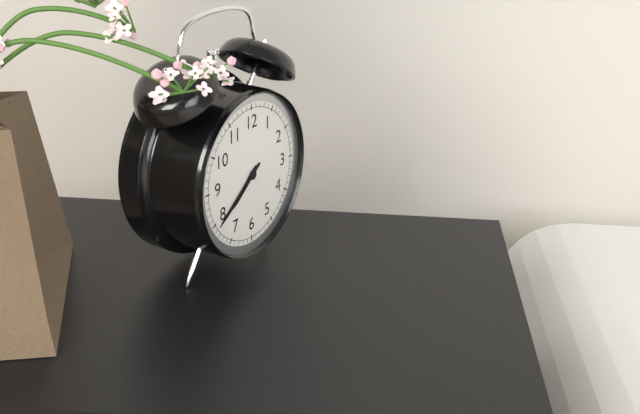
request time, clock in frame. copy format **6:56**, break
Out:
**7:39**
